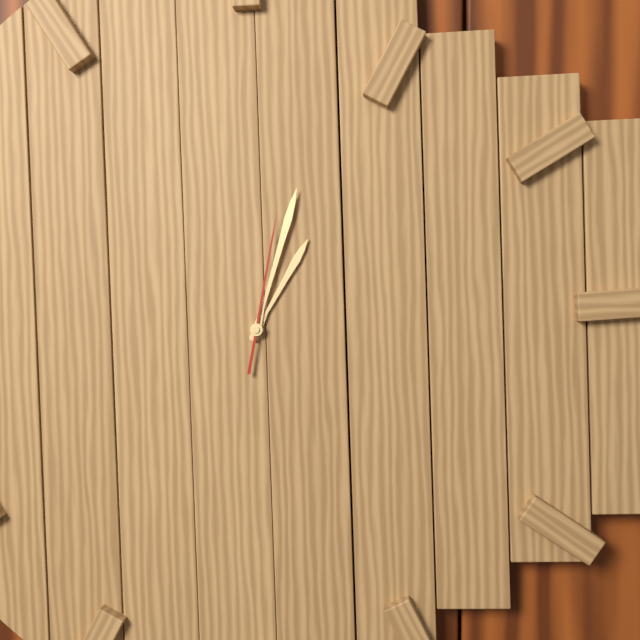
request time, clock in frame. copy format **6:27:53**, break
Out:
**1:03:02**
